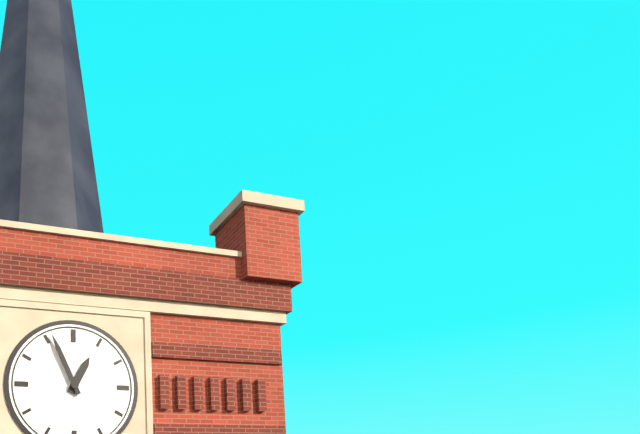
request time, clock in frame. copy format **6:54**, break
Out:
**12:56**
